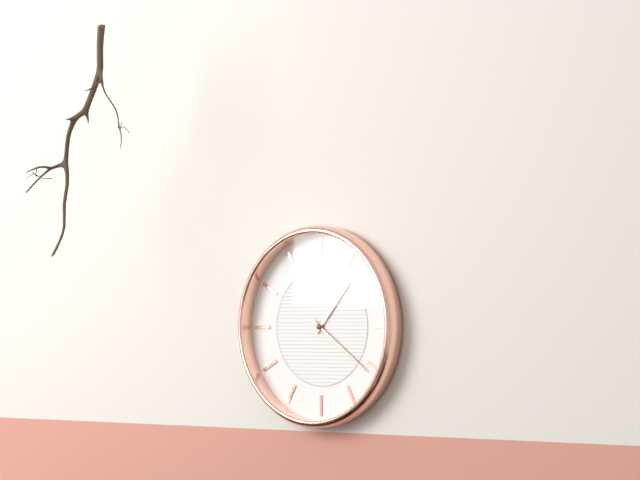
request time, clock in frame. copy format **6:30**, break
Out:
**1:21**
